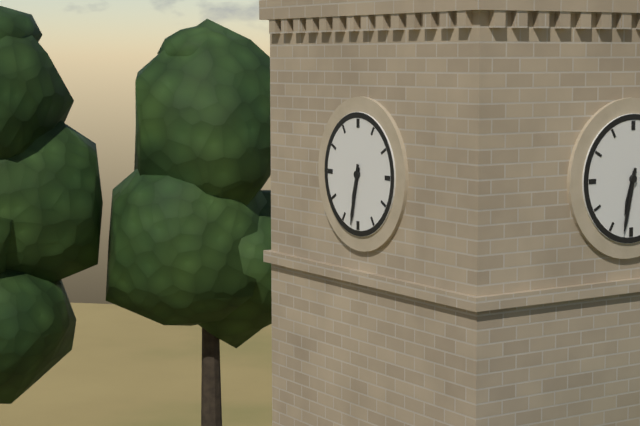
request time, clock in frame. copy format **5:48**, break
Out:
**6:32**
